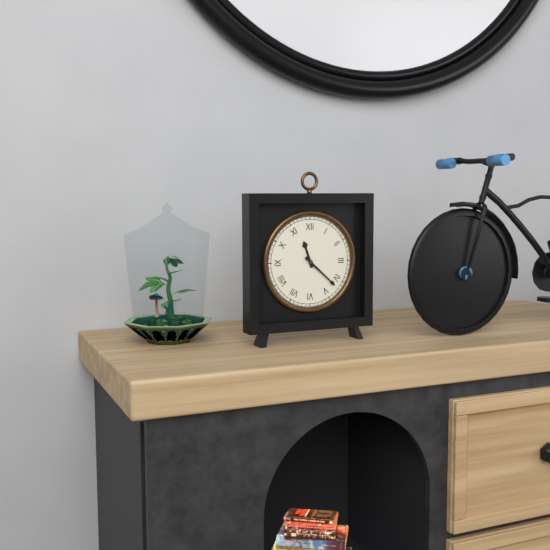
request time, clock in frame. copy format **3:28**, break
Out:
**11:22**
